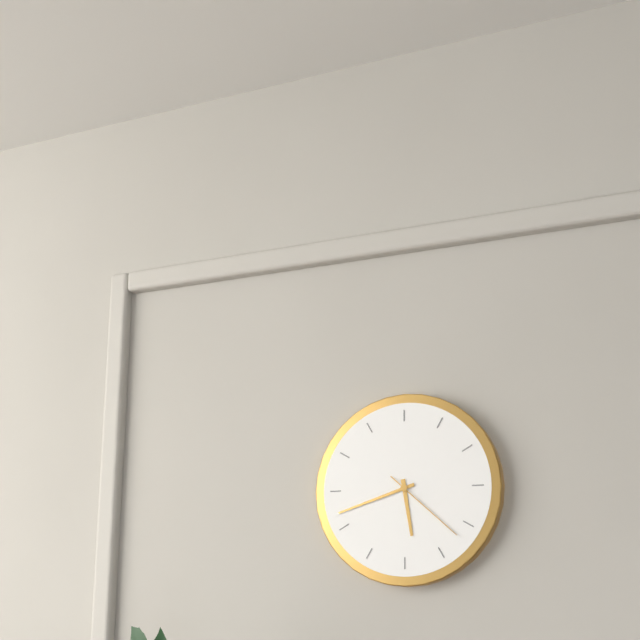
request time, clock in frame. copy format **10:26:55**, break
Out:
**5:42:22**
